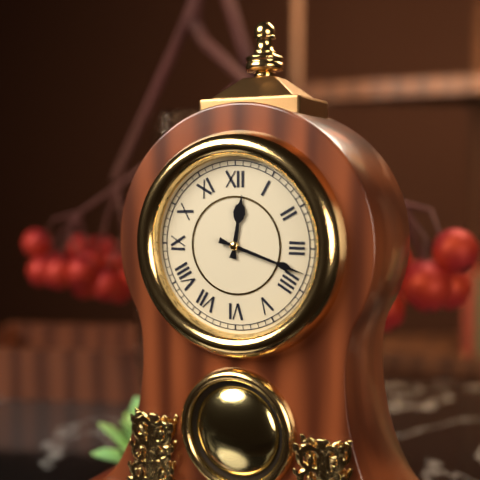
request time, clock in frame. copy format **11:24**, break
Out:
**12:18**
